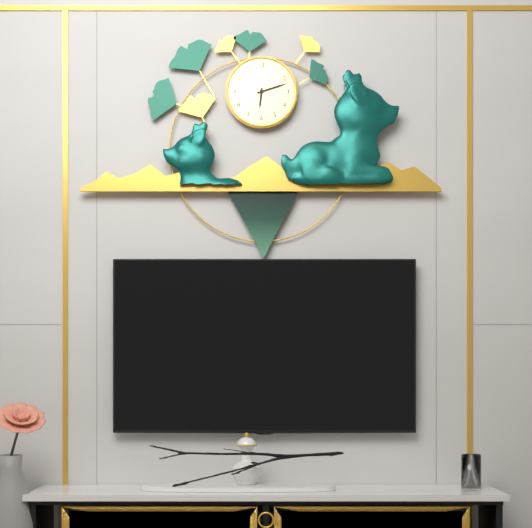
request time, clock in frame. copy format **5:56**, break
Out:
**6:12**
